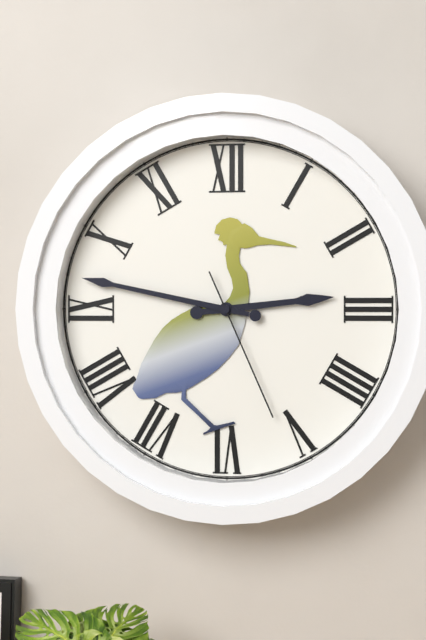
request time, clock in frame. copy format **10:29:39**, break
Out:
**2:47:26**
